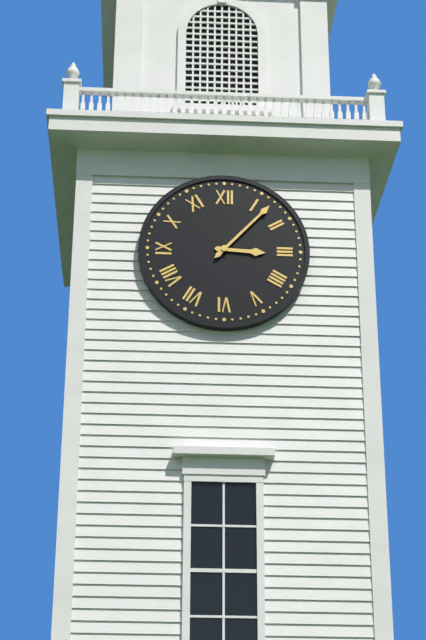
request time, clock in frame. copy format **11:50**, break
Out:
**3:07**
